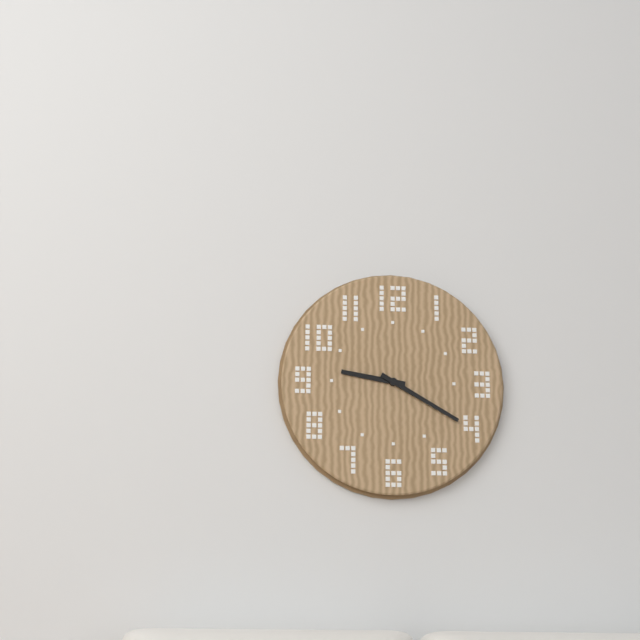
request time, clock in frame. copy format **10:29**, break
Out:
**9:20**
